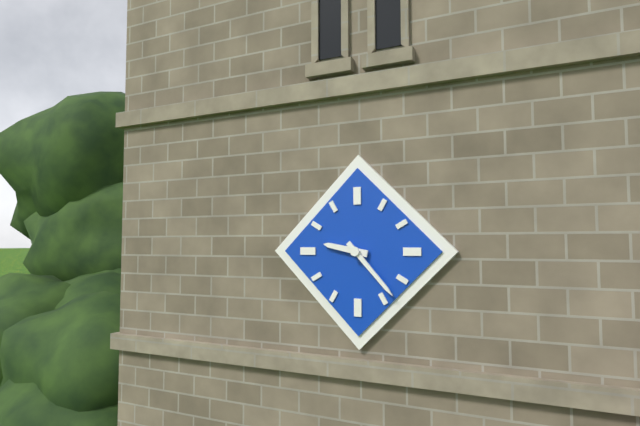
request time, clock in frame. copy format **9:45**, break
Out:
**9:23**
